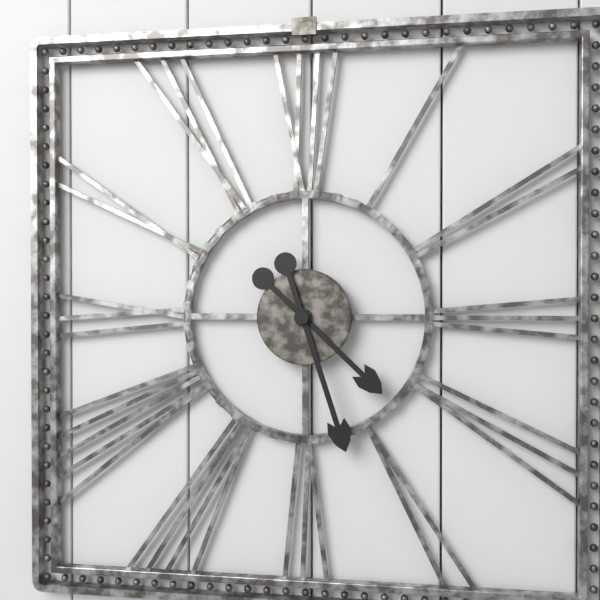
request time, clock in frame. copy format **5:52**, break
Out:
**4:27**
